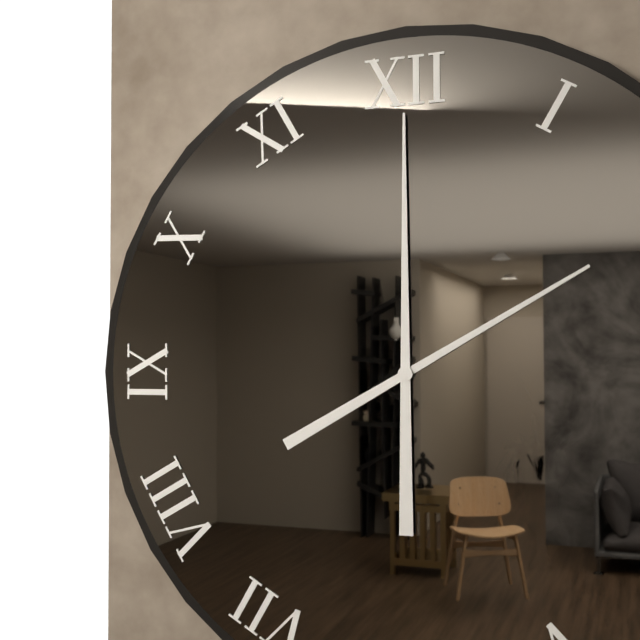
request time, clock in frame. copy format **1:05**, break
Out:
**2:00**
